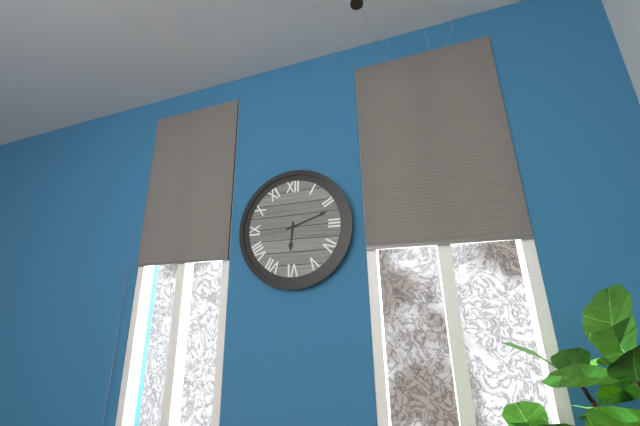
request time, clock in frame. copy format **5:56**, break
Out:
**6:12**
